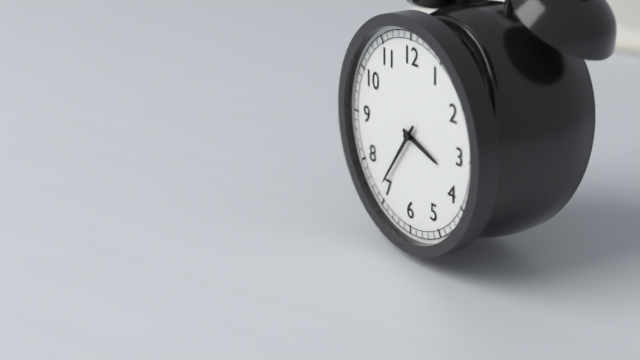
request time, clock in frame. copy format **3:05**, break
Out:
**3:36**
